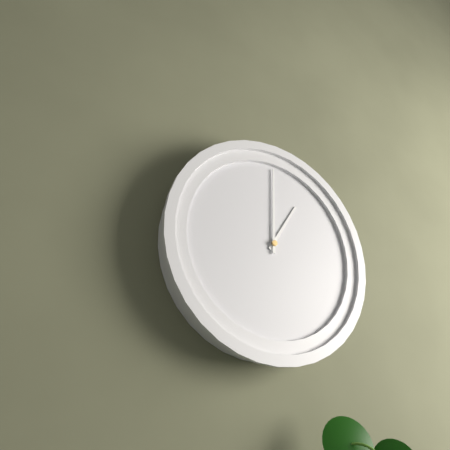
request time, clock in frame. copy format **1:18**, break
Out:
**1:00**
